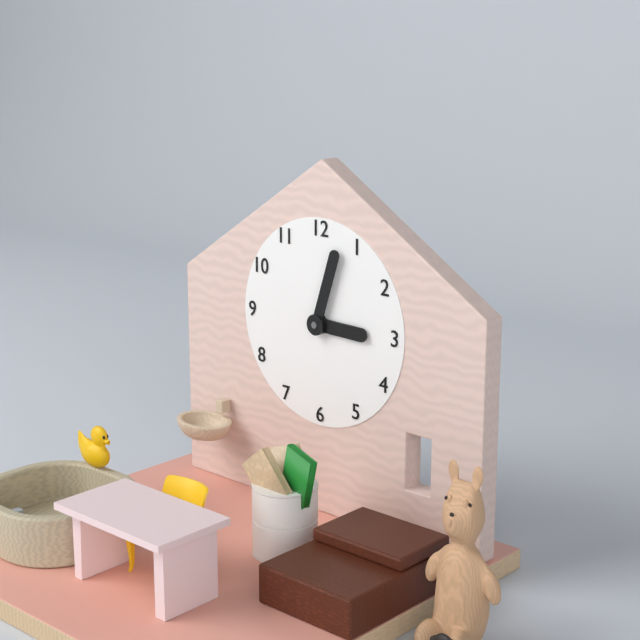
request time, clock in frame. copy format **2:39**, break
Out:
**3:03**
